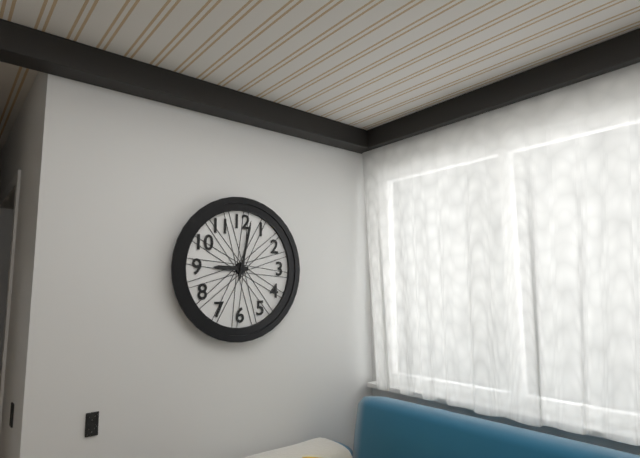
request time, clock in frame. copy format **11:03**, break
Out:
**9:02**
